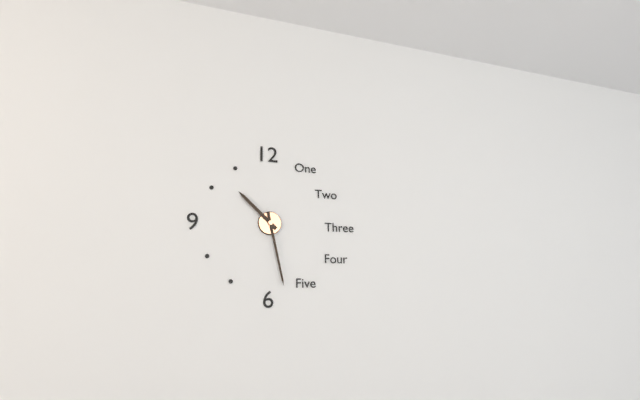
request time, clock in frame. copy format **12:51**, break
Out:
**10:28**
